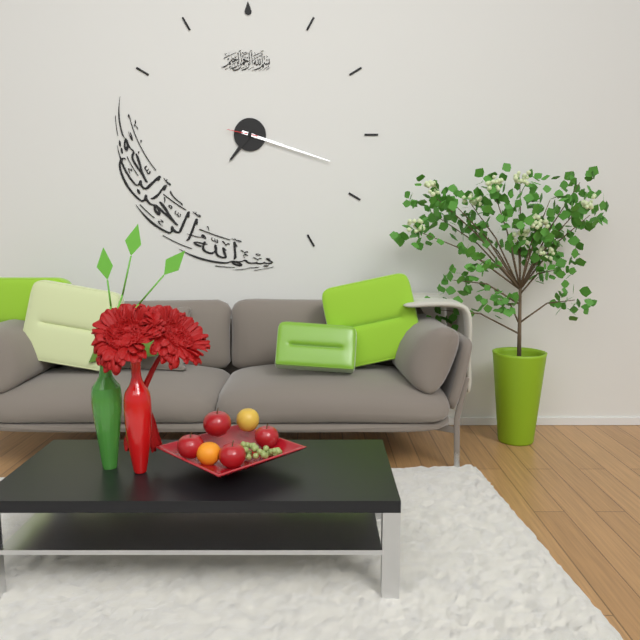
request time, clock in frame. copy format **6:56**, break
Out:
**7:18**
